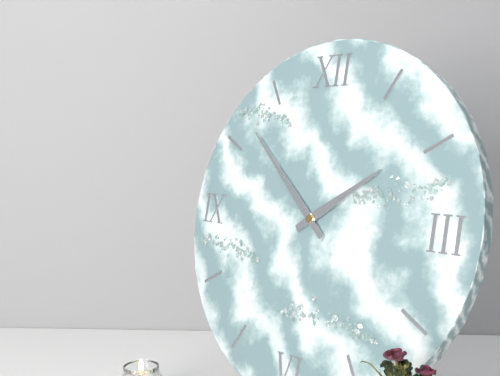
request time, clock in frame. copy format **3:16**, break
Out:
**1:52**
